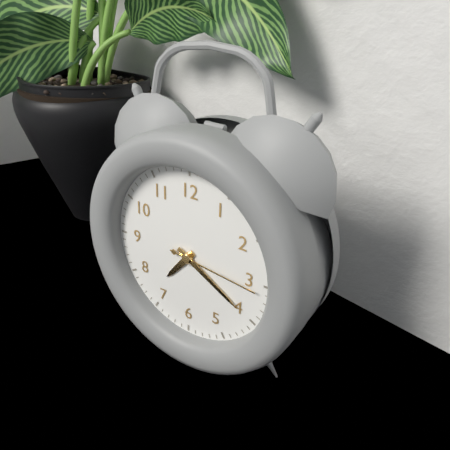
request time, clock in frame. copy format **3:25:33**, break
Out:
**7:20:16**
